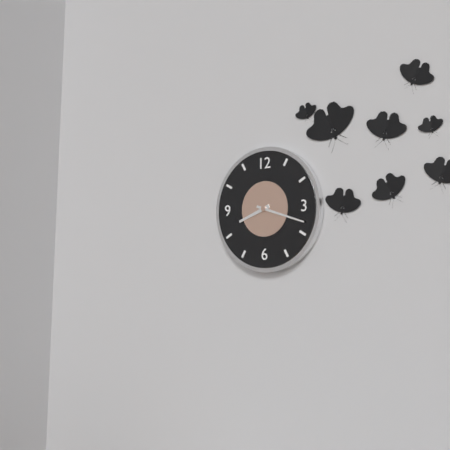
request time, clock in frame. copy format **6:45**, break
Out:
**8:18**
